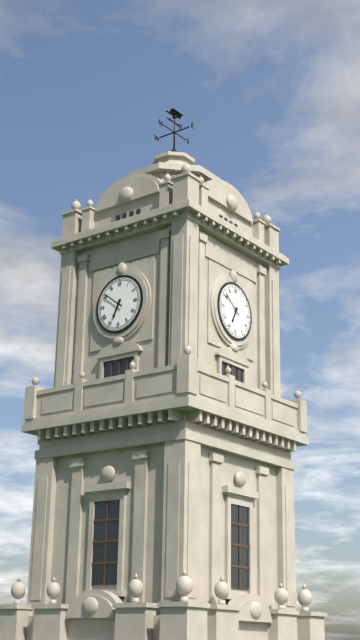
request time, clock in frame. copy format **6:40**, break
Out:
**6:51**
